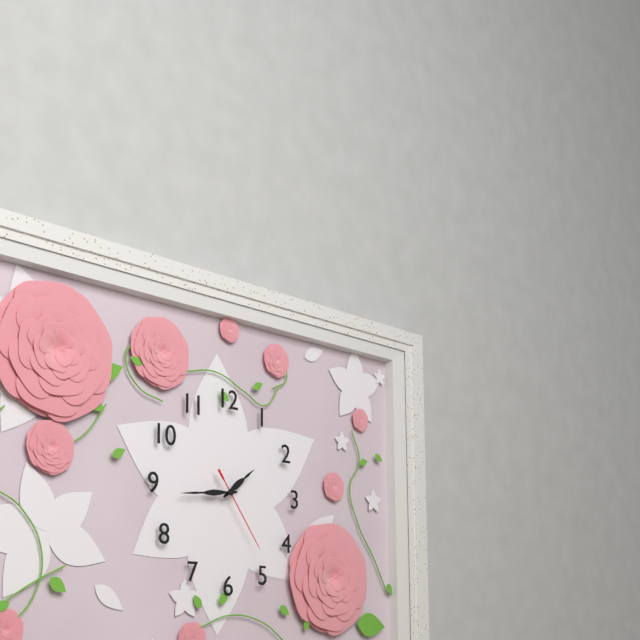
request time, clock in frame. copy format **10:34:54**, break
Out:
**1:44:24**
